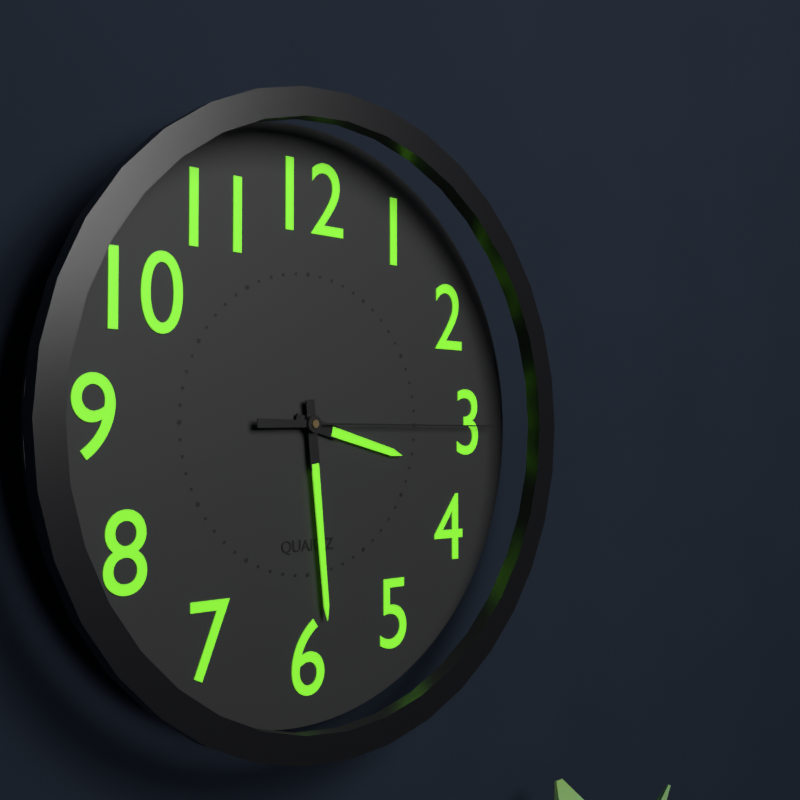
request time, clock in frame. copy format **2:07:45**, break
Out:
**3:29:15**
